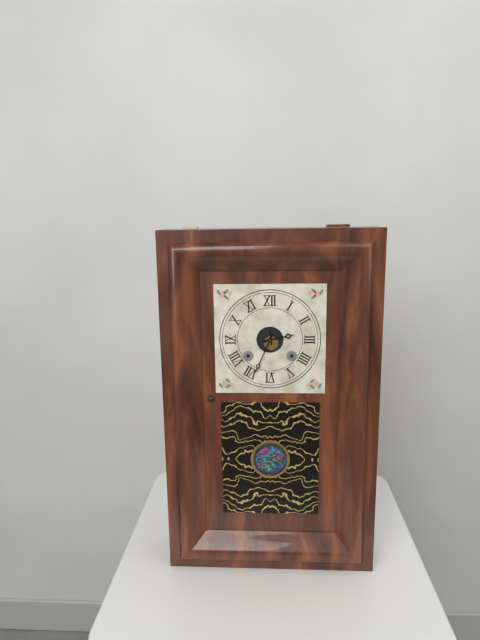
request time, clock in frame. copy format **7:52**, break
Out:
**2:34**
